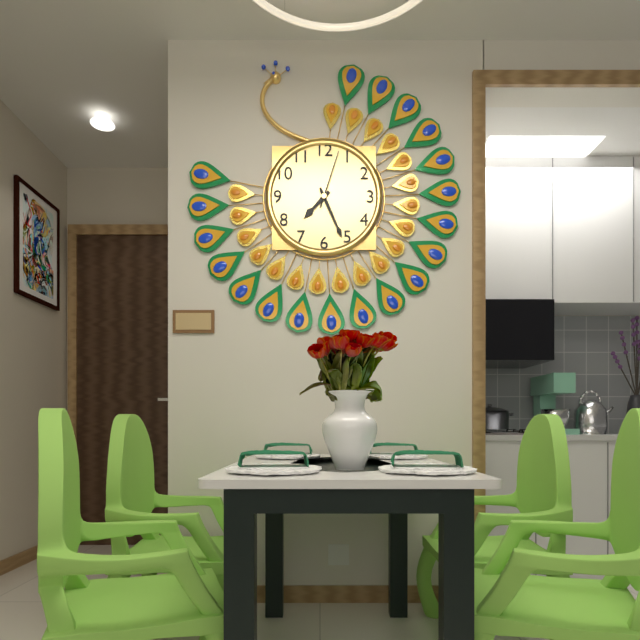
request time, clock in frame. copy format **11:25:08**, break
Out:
**7:26:03**
